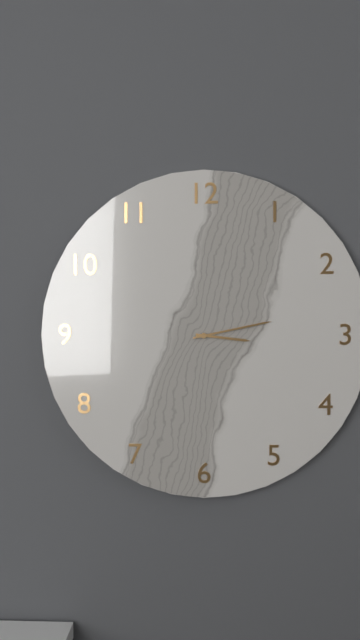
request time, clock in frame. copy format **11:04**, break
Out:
**3:13**
